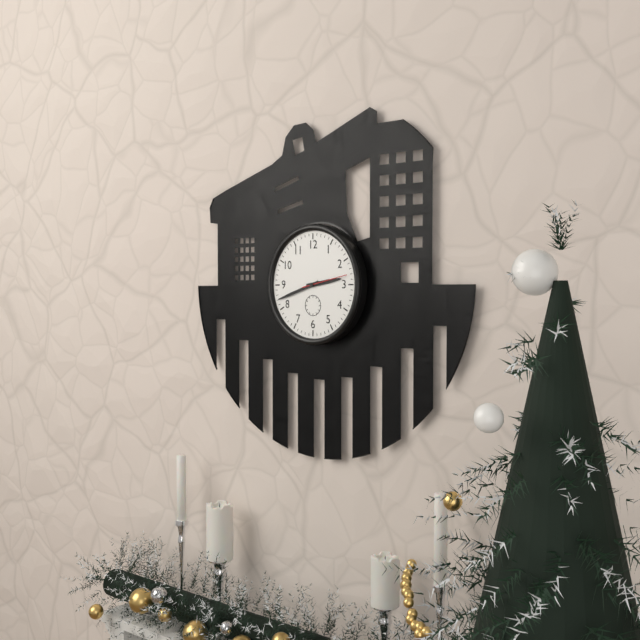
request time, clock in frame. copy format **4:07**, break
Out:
**2:42**
